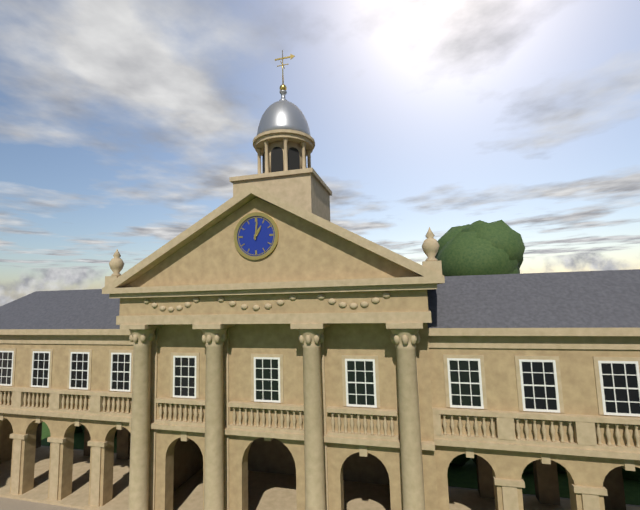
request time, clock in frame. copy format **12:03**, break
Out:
**1:01**
